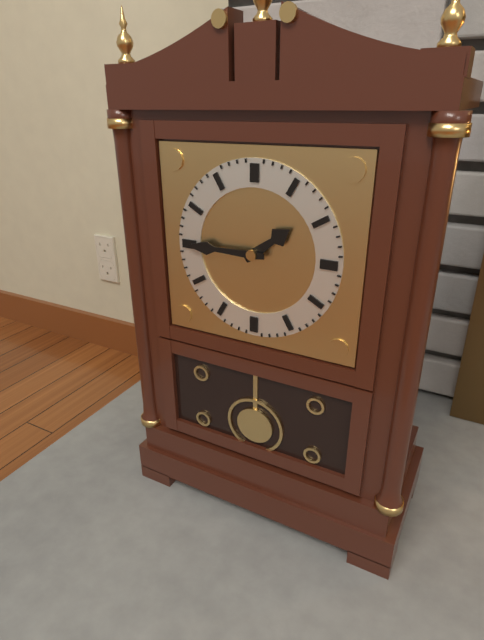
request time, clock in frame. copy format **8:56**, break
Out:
**1:45**
